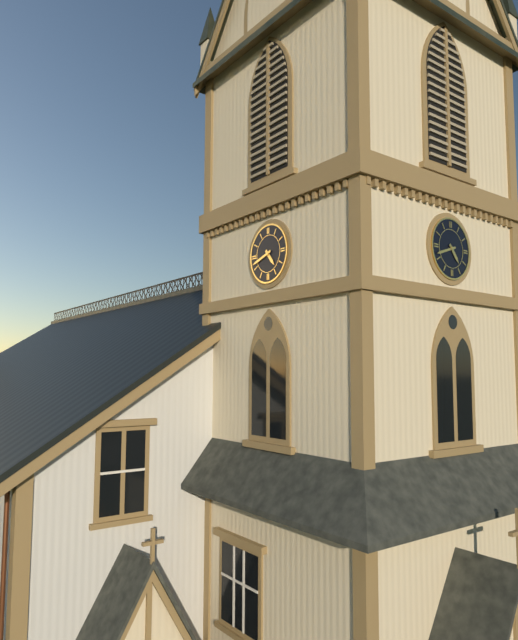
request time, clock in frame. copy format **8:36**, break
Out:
**4:42**
